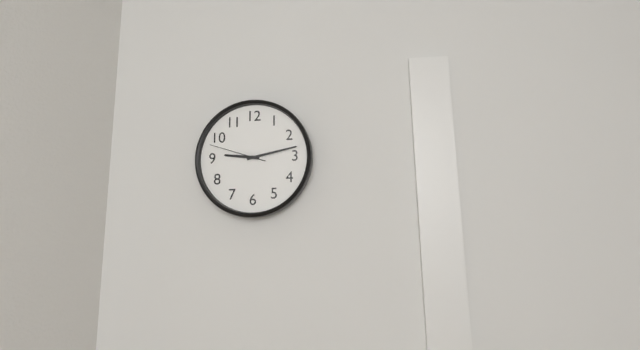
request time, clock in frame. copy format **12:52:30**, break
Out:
**9:13:48**
